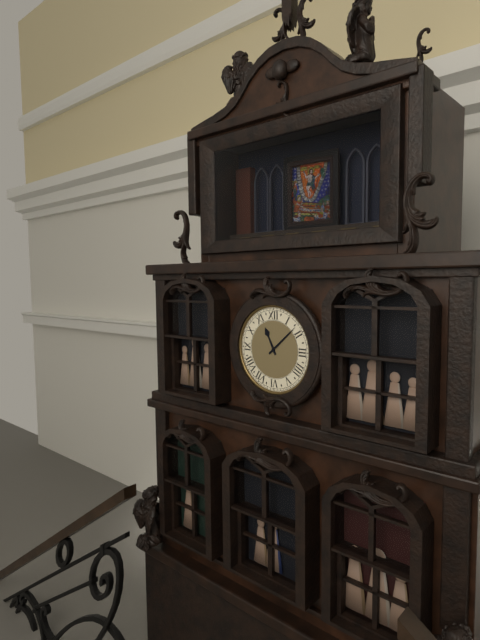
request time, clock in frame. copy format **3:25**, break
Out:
**11:08**
